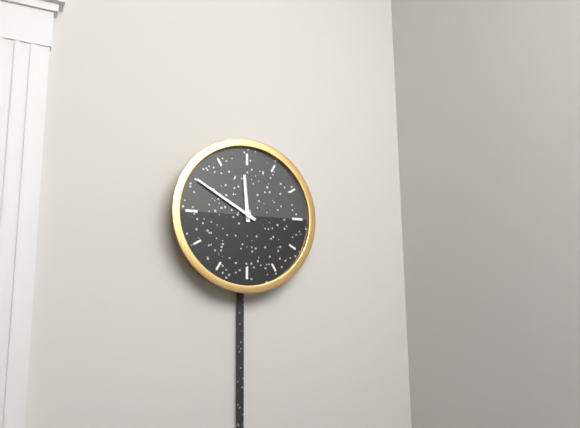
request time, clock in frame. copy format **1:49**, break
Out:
**11:50**
